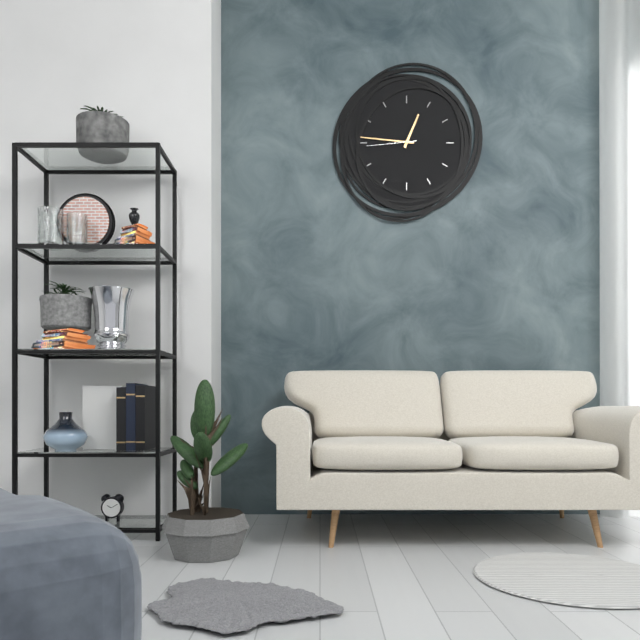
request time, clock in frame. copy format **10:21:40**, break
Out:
**12:46:44**
